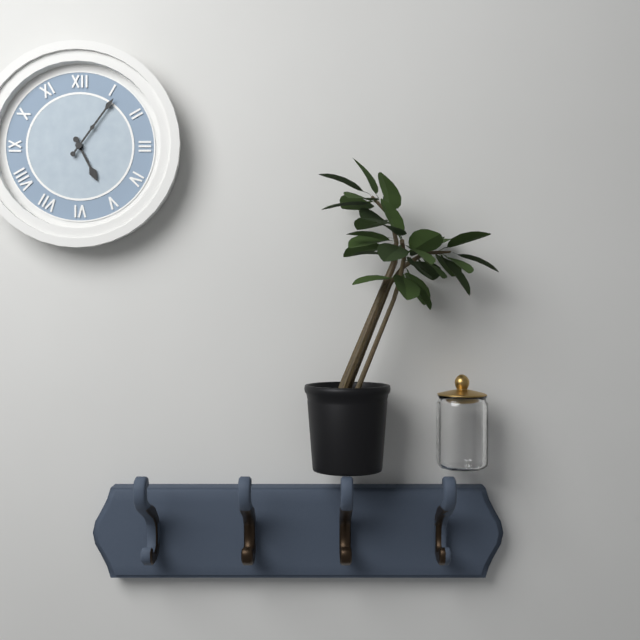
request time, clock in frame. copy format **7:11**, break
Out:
**5:06**
